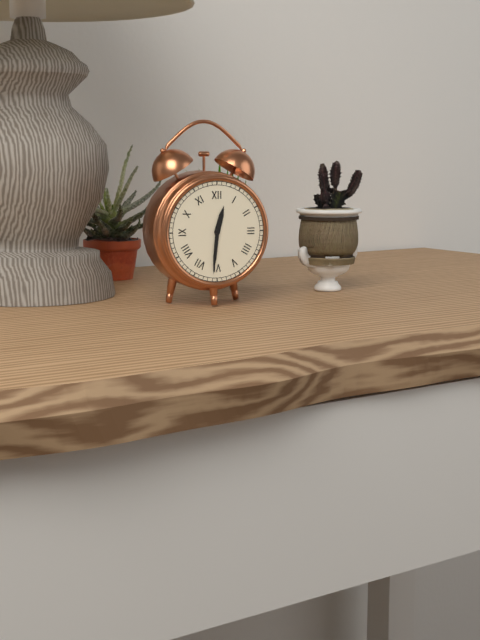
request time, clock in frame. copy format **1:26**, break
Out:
**12:31**
